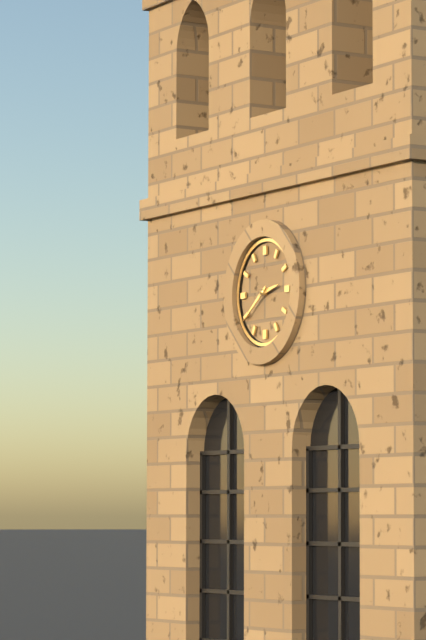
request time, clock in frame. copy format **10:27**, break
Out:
**2:39**
